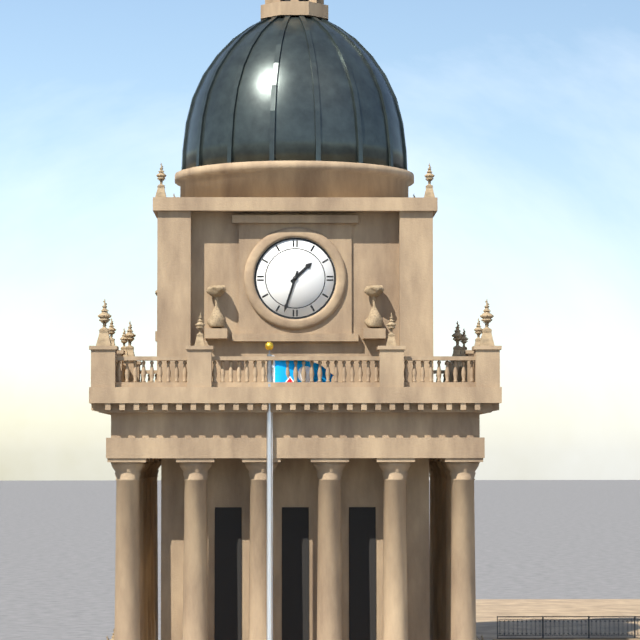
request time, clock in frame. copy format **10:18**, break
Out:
**1:33**
